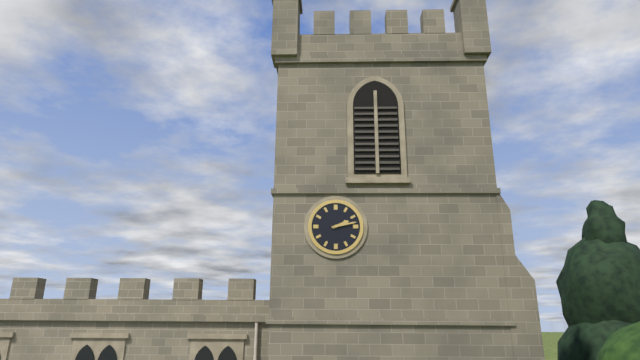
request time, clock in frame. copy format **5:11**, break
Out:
**2:13**
